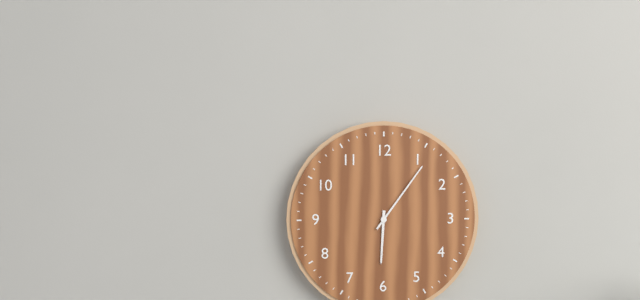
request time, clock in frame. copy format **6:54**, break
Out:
**6:06**
